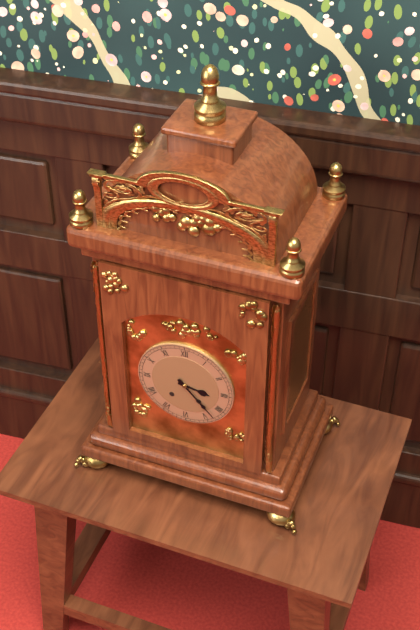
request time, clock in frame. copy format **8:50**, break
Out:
**3:23**
